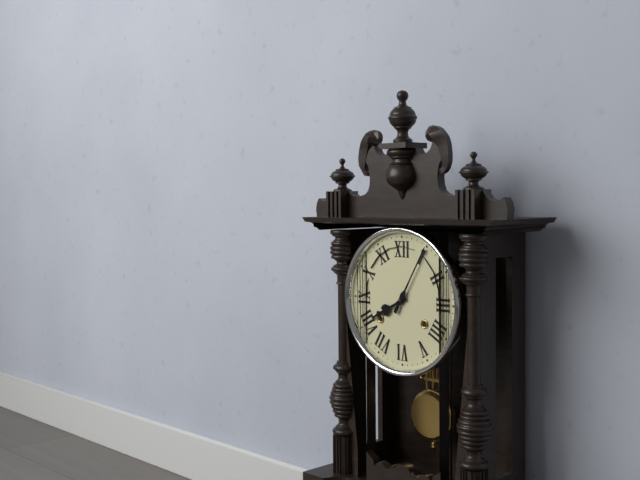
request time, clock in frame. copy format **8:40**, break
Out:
**8:05**
